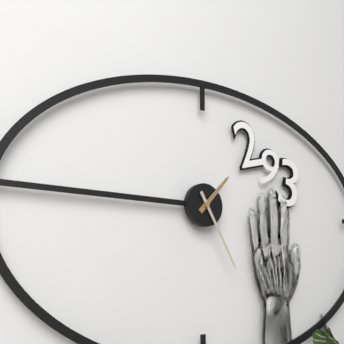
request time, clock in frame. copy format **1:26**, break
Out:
**1:25**
